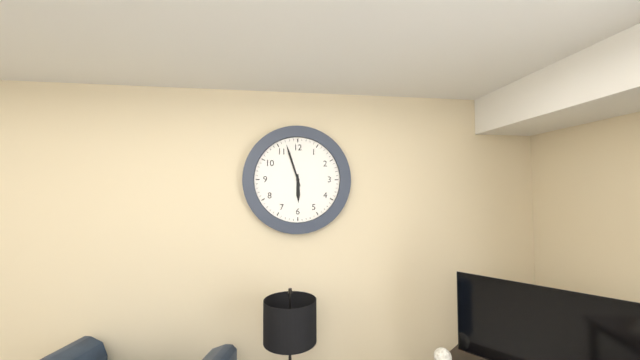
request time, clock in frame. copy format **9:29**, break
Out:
**5:57**
